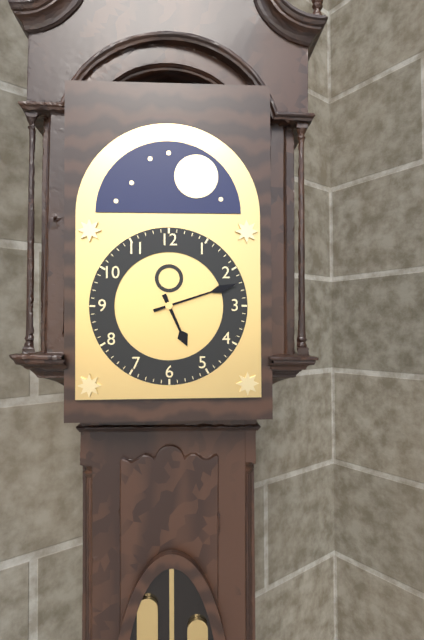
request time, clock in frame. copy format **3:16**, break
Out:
**5:12**
